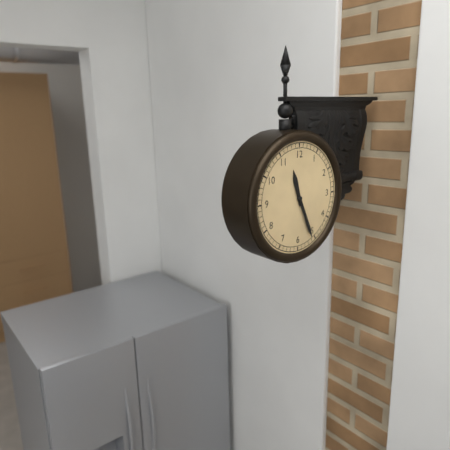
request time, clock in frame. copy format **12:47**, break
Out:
**11:26**
